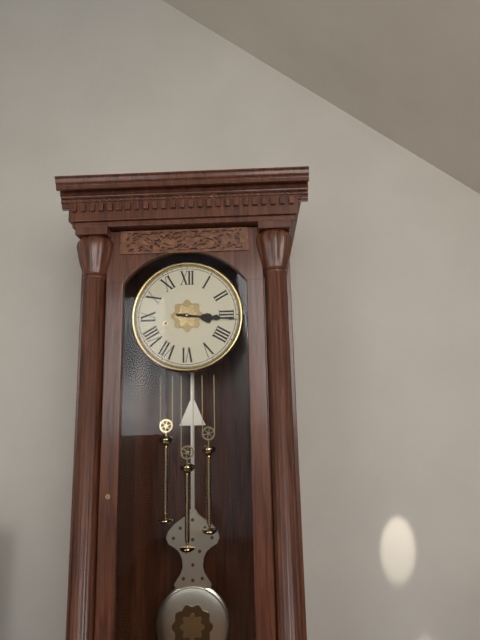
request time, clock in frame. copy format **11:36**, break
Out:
**3:16**
